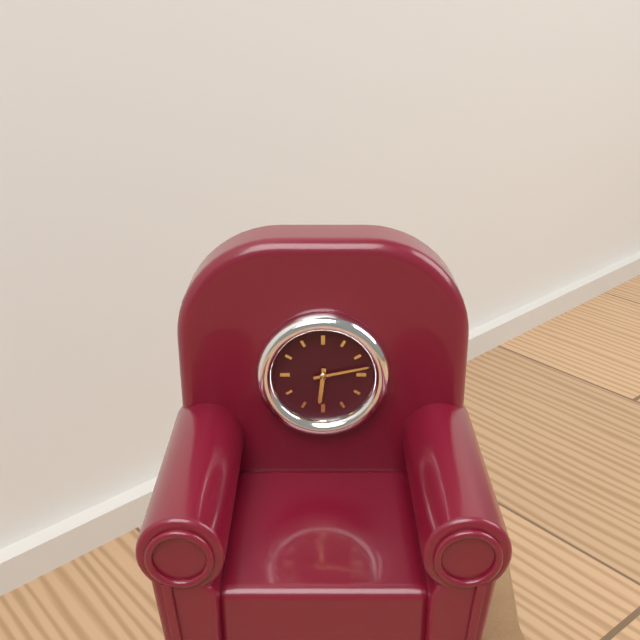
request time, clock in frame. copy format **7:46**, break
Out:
**6:13**
